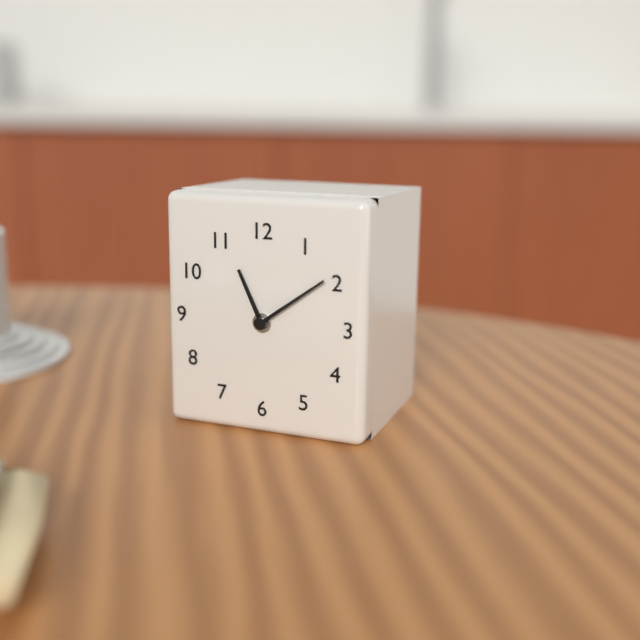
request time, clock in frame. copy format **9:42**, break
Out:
**11:09**
